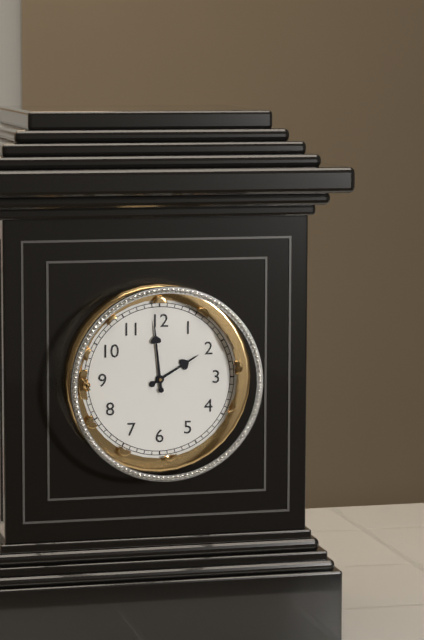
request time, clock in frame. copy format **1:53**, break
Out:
**1:59**
